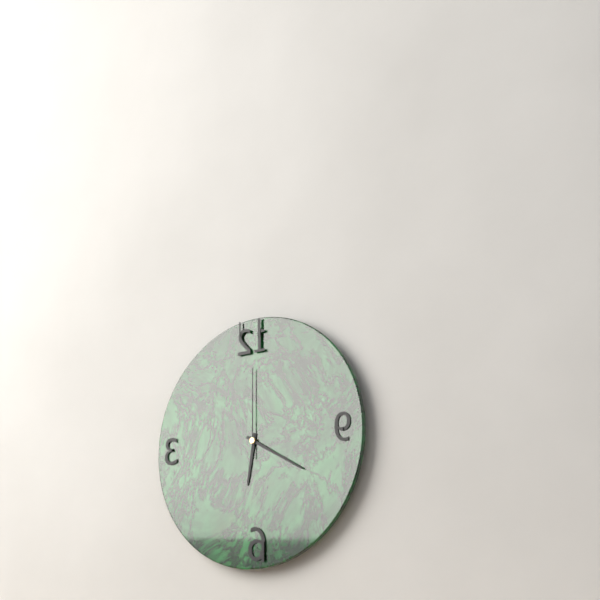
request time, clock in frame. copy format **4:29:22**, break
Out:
**6:20:00**
